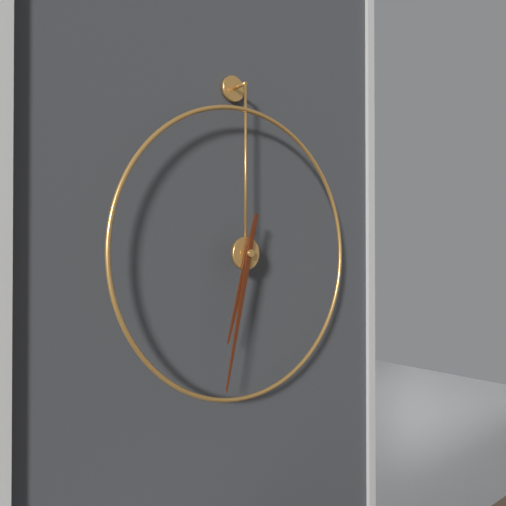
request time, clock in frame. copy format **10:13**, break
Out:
**6:32**
